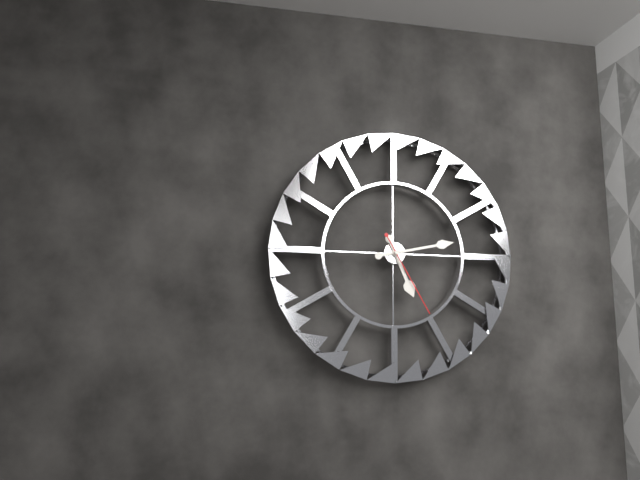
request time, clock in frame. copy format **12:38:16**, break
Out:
**5:13:25**
